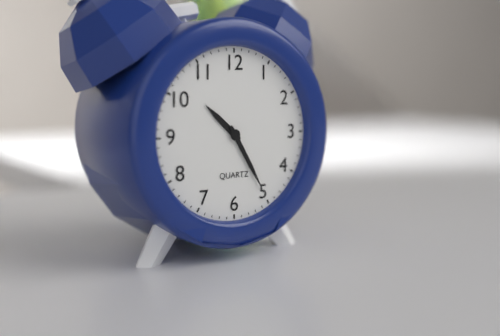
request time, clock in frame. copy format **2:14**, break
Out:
**10:25**
